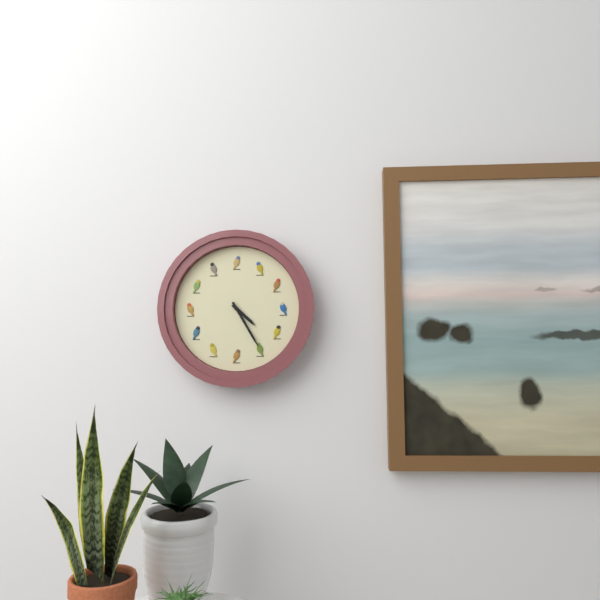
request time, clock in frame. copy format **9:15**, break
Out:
**4:25**
